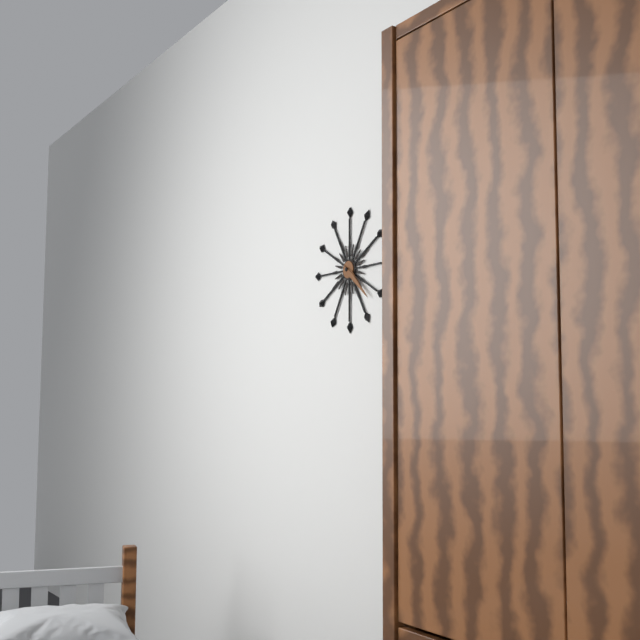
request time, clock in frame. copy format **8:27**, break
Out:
**4:22**
